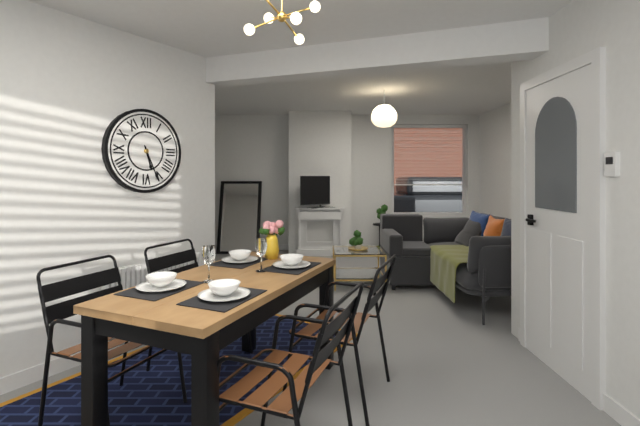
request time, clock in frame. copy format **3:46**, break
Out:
**5:26**
